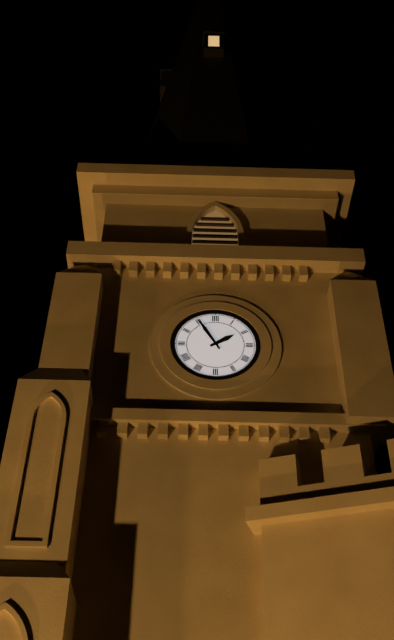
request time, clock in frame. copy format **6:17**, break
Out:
**1:55**
